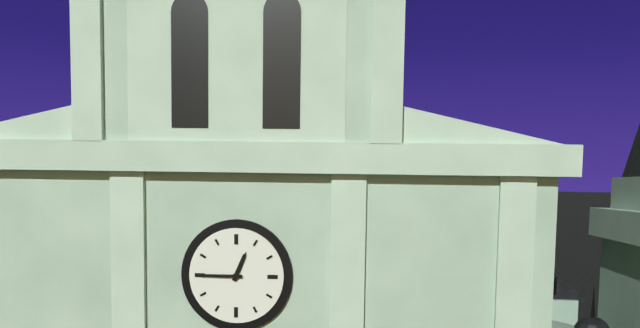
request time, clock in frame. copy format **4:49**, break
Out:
**12:45**
